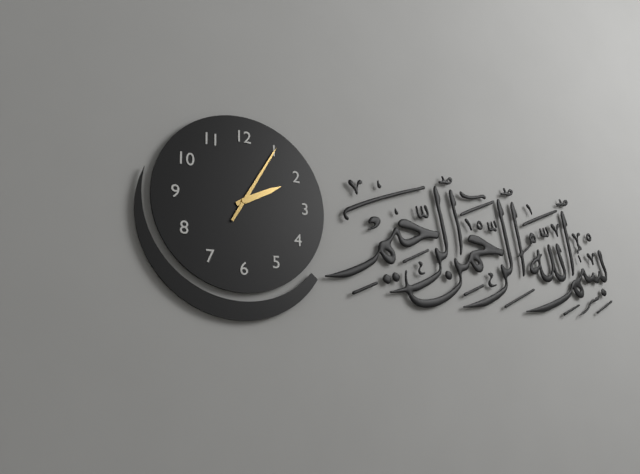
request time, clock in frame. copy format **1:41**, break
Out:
**2:05**
